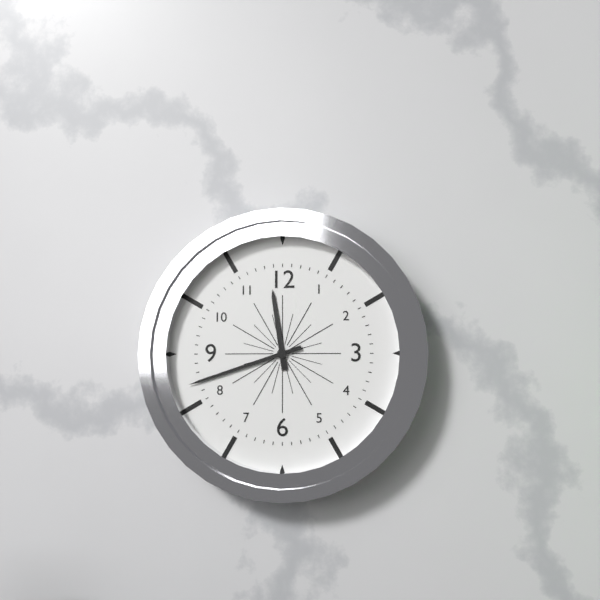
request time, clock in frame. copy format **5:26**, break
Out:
**11:42**
